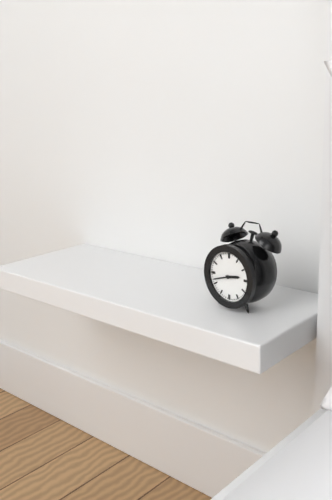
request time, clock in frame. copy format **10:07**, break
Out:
**2:42**
